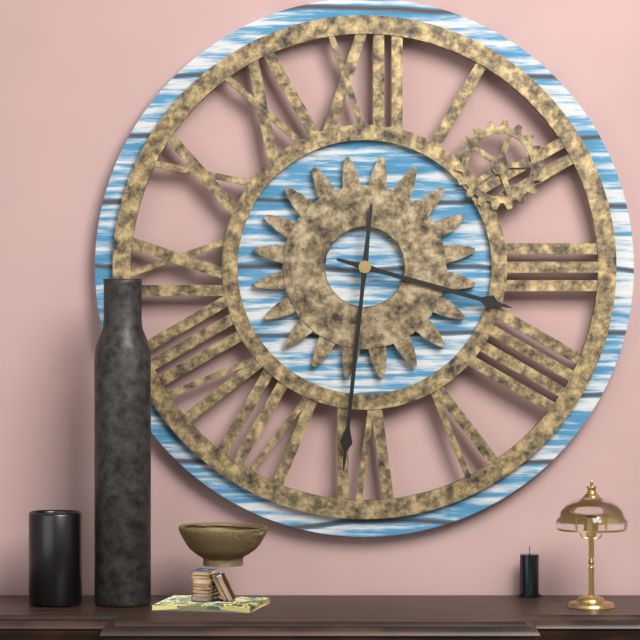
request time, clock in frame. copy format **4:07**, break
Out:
**3:31**
